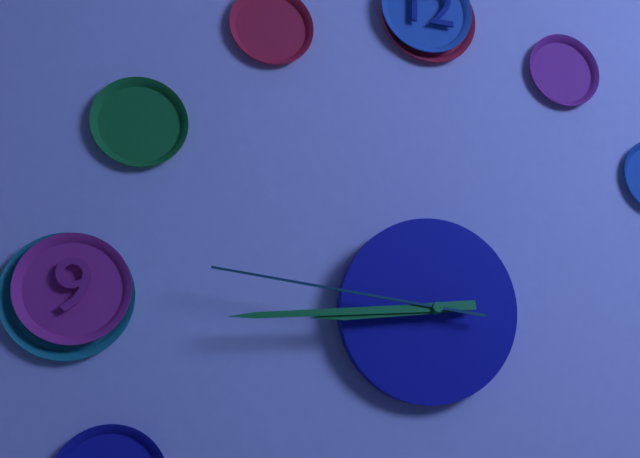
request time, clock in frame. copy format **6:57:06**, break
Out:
**8:44:46**
